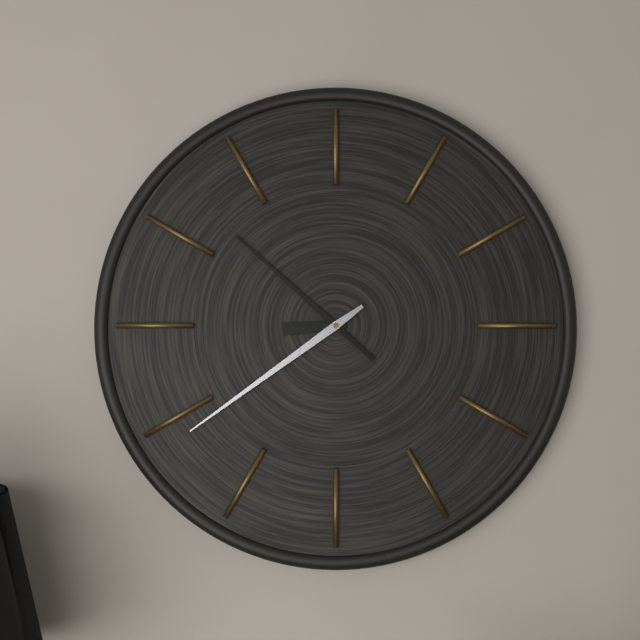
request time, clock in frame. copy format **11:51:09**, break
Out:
**8:52:39**
